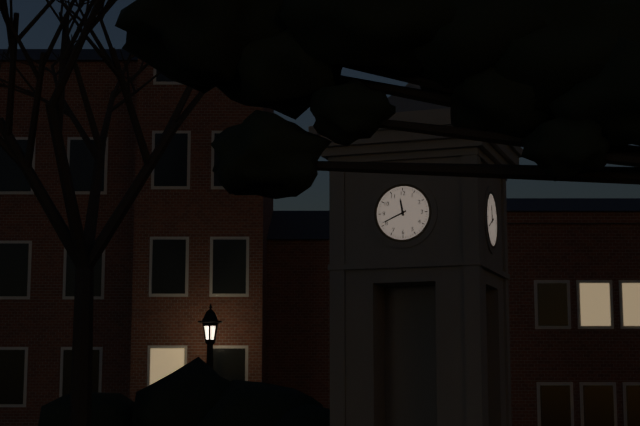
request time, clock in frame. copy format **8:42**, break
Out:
**11:41**
